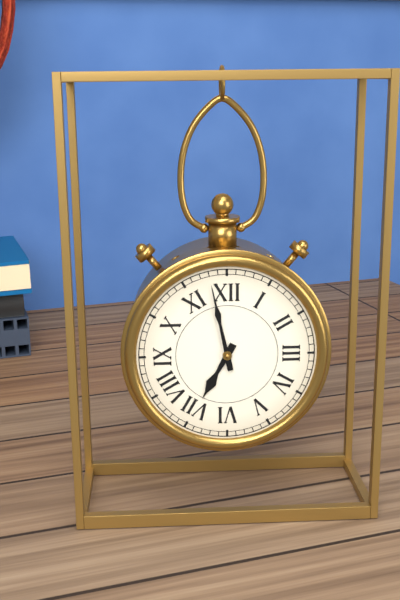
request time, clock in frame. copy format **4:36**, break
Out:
**6:58**
